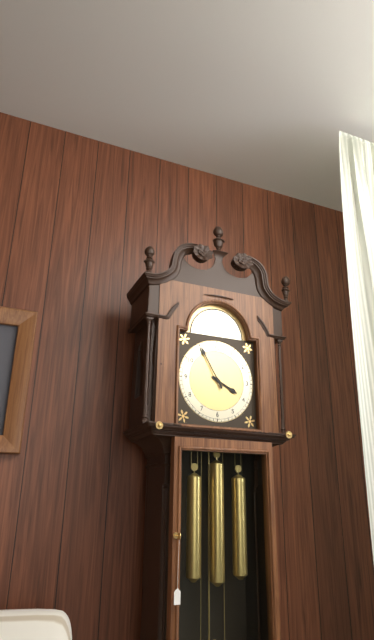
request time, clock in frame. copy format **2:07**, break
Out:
**3:55**
